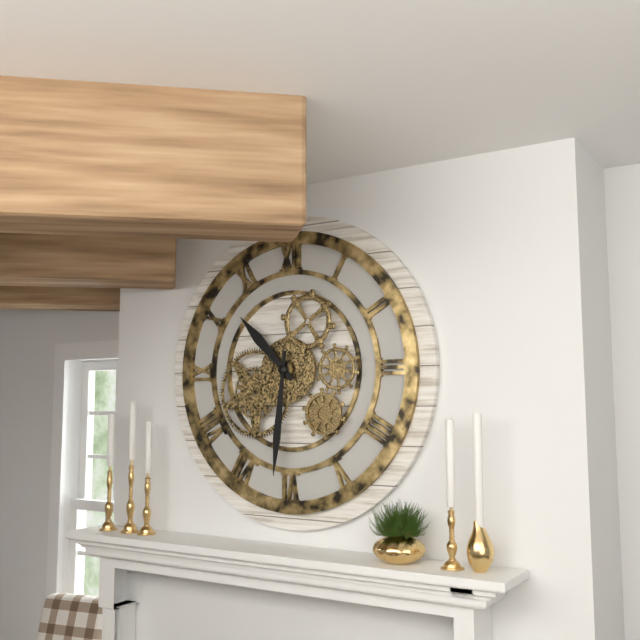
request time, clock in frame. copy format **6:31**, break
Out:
**10:31**
